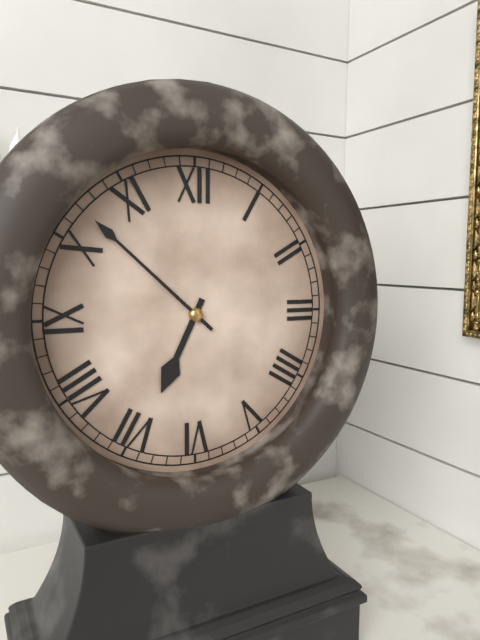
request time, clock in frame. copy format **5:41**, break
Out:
**6:52**
